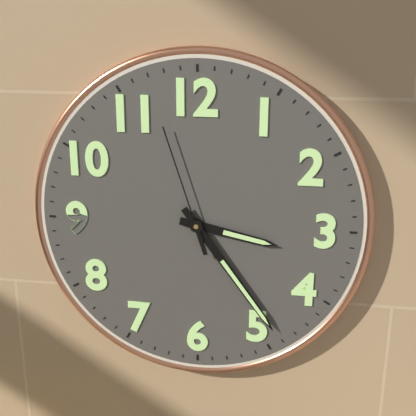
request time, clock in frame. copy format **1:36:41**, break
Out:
**3:24:57**
